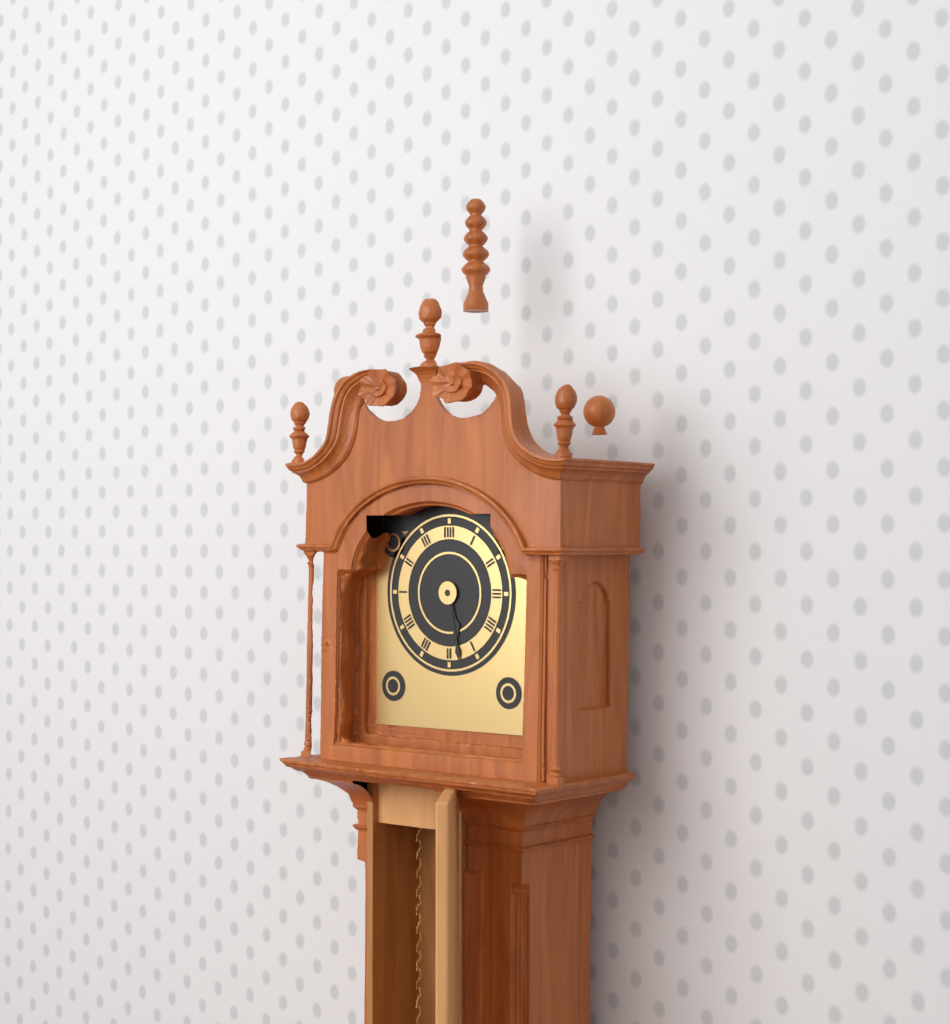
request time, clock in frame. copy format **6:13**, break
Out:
**5:28**
